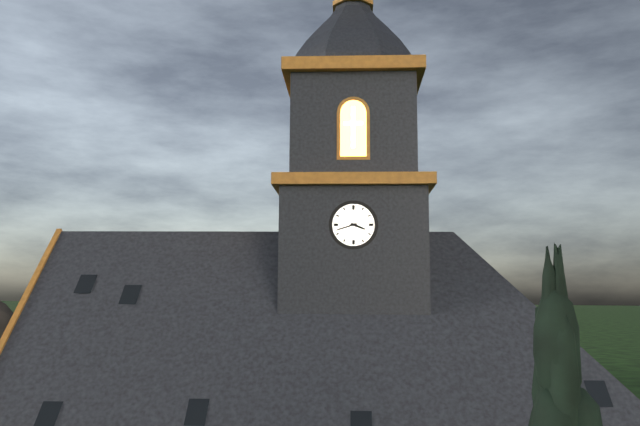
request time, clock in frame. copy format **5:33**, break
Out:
**3:42**
